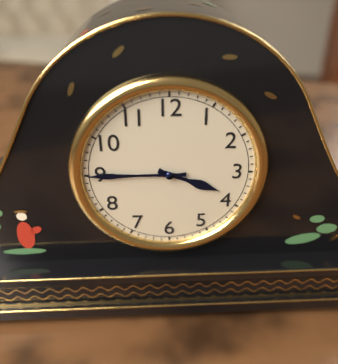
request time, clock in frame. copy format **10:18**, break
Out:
**3:45**
